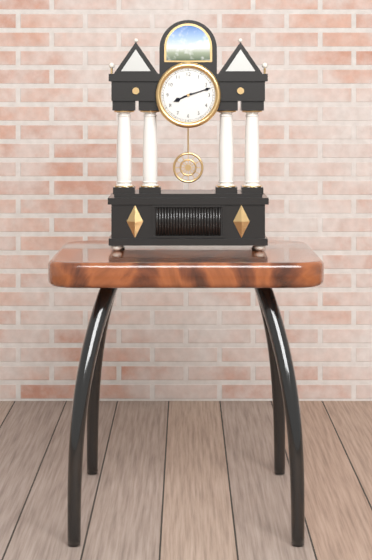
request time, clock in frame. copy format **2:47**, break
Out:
**8:12**
